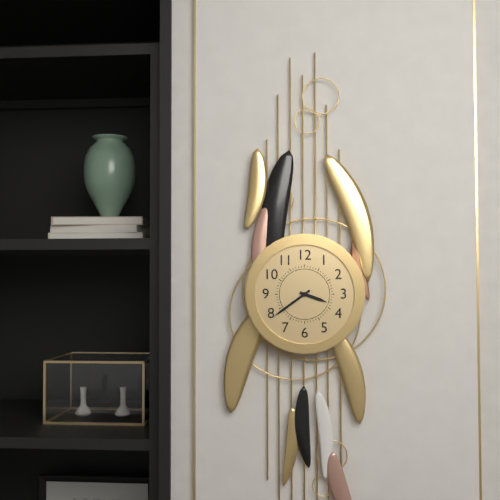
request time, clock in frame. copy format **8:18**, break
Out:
**3:39**
